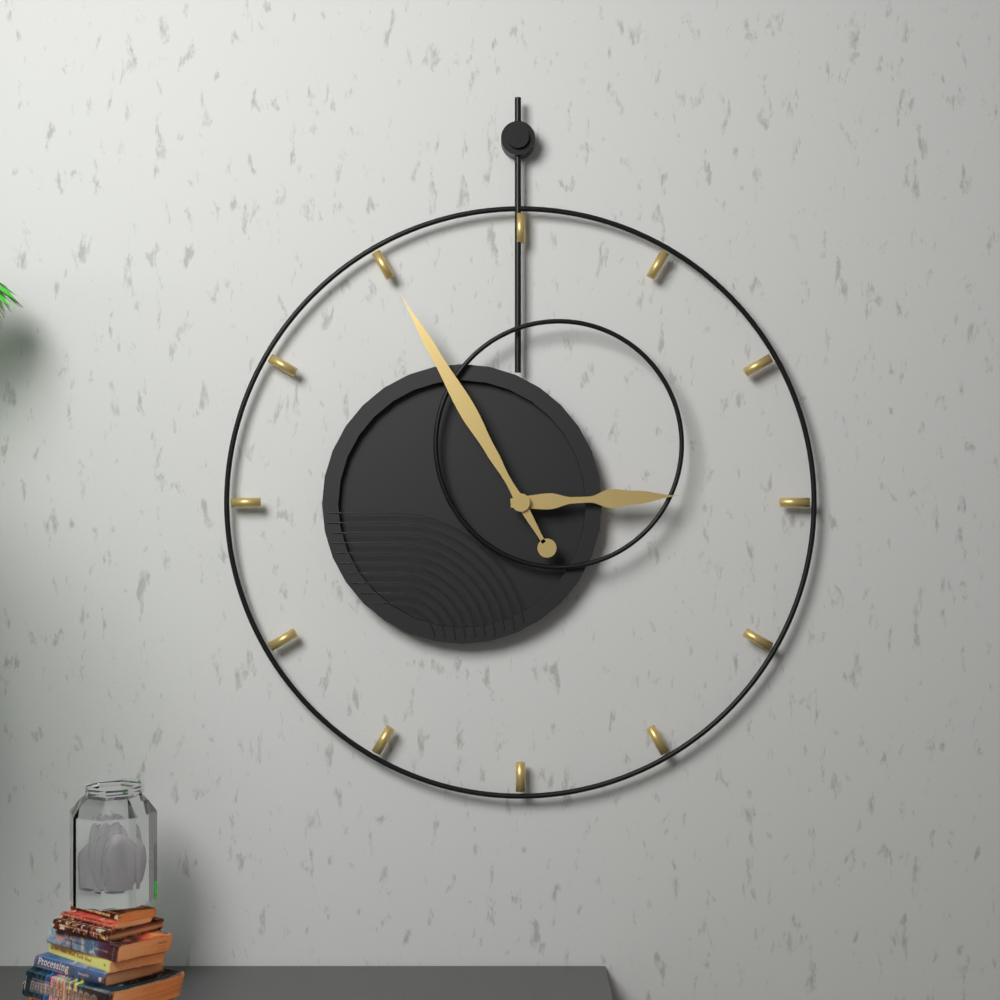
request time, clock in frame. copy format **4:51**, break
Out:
**2:55**
